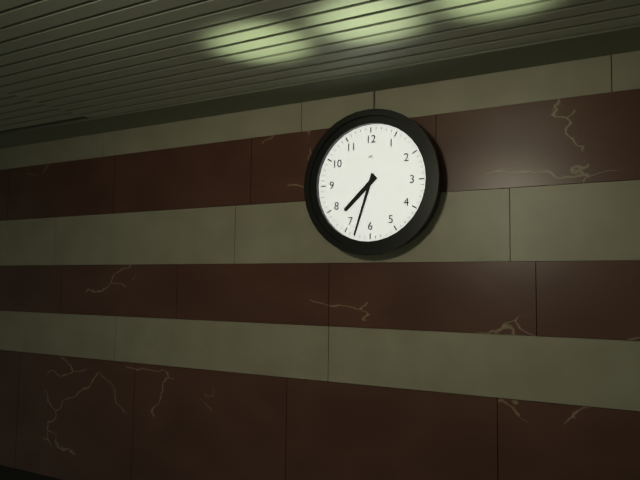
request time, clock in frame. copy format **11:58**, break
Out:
**7:33**
